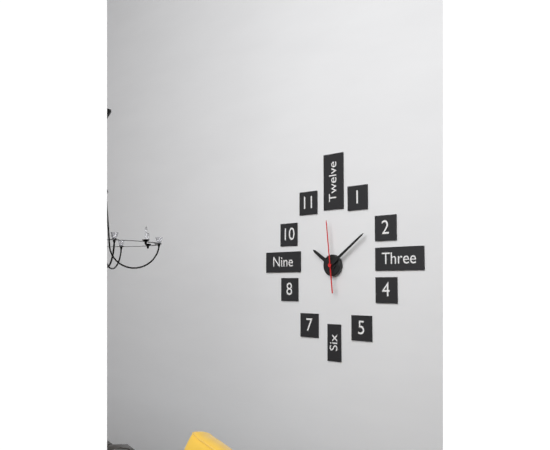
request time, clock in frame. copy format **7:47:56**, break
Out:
**10:09:59**
